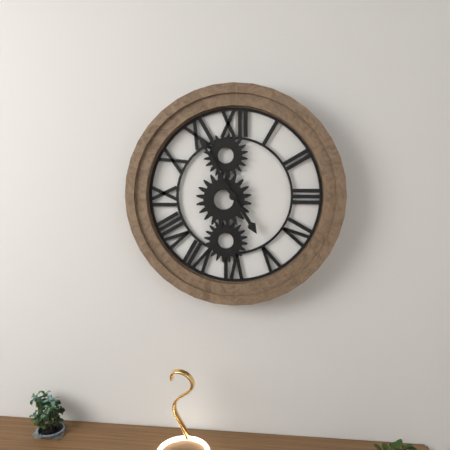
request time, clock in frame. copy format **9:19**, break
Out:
**4:55**
